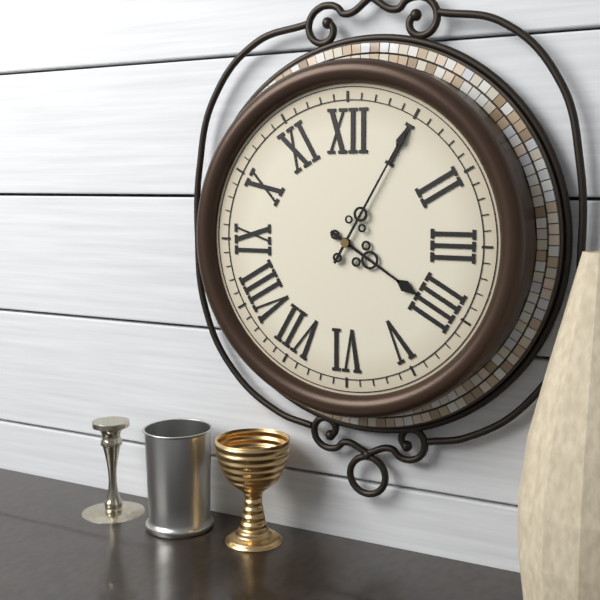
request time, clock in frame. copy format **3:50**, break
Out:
**4:05**
